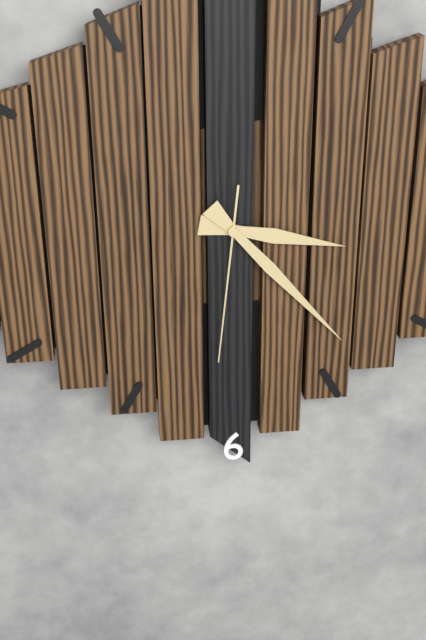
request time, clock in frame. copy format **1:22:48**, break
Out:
**3:23:31**
